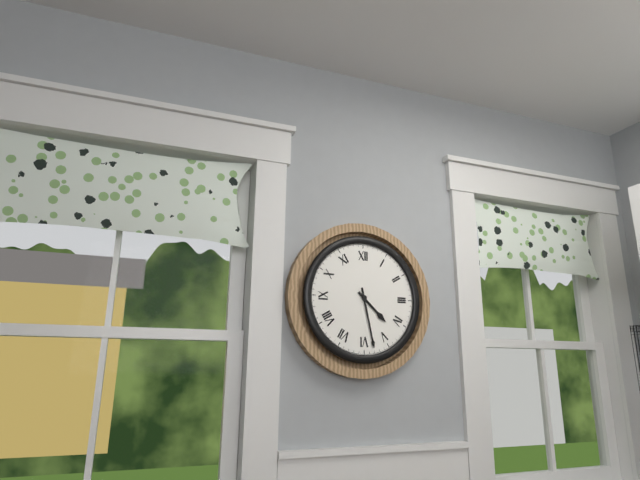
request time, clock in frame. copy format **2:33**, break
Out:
**4:28**
